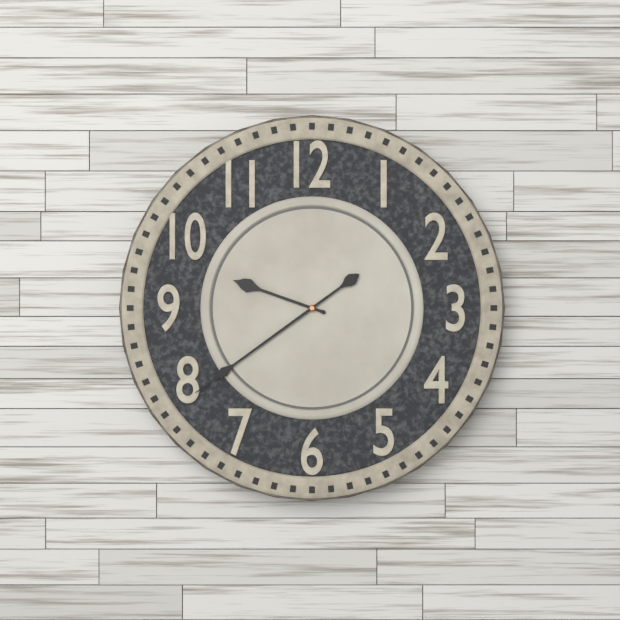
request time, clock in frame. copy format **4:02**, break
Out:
**9:39**
